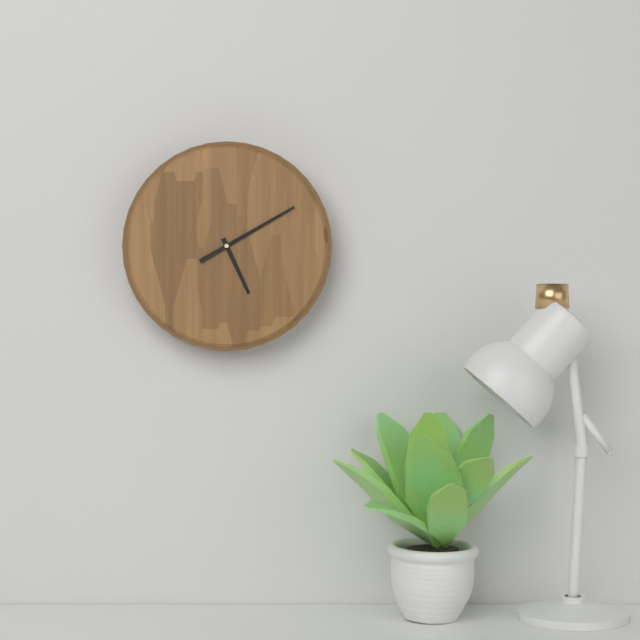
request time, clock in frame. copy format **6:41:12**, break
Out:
**5:10:10**
